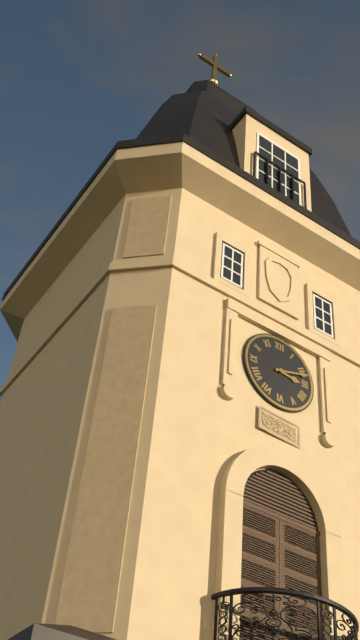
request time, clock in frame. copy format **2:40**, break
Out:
**3:12**
